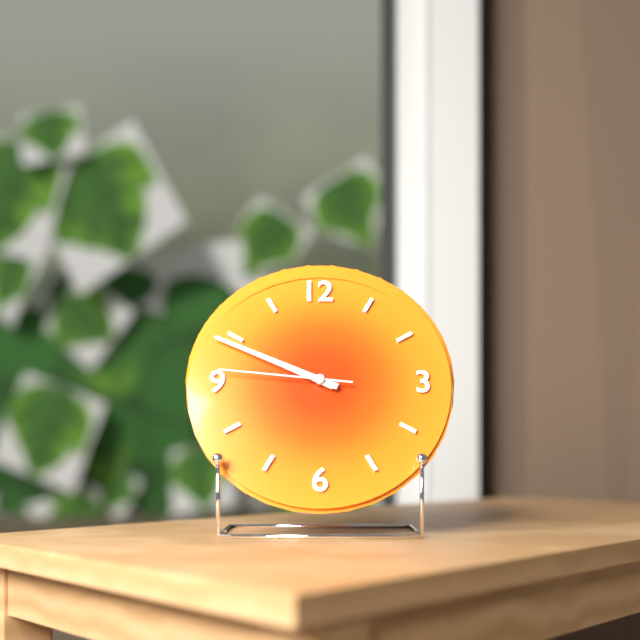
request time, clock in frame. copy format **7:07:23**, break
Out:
**9:49:46**
